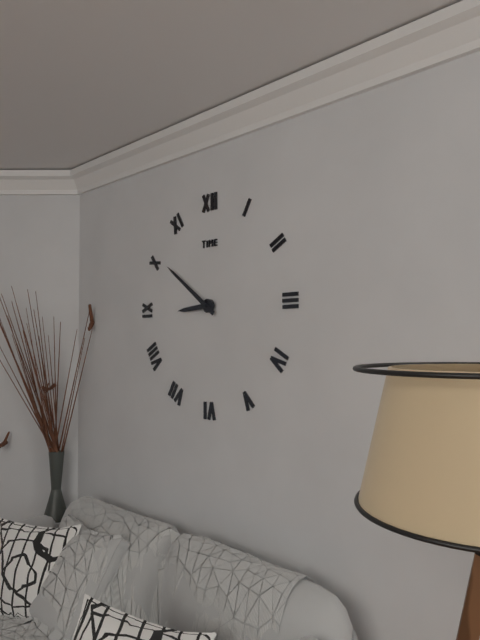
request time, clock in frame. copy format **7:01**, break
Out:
**8:51**
